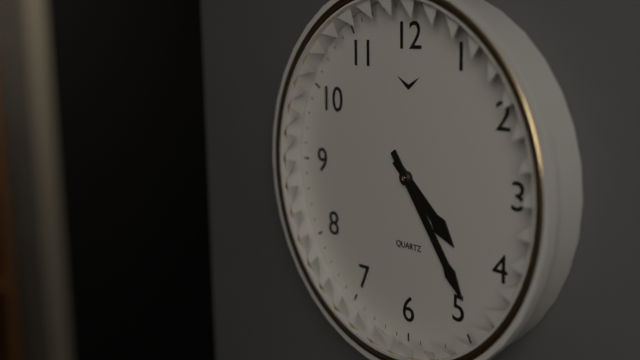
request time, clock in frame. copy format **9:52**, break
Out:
**4:24**
